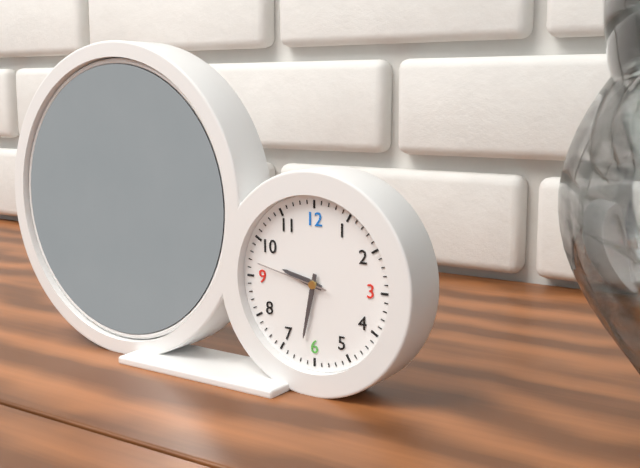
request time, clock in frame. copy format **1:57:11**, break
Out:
**9:32:47**
